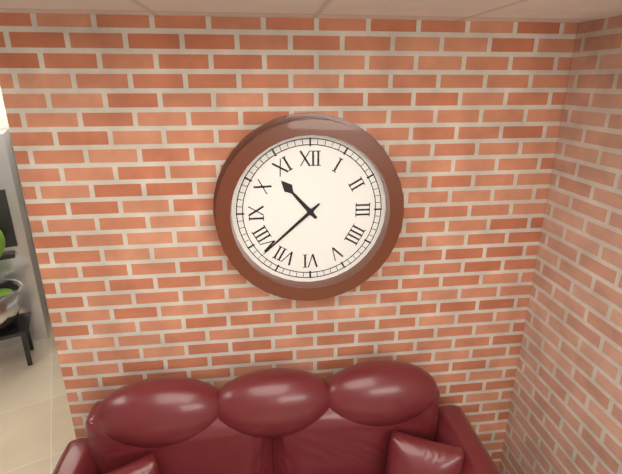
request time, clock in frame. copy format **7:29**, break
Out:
**10:38**
